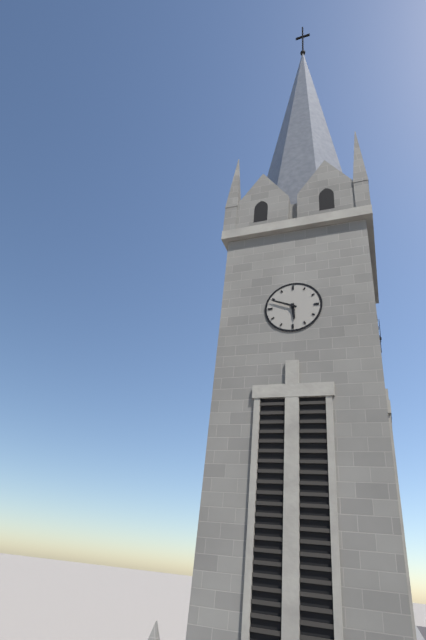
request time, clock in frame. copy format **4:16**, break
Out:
**5:49**
